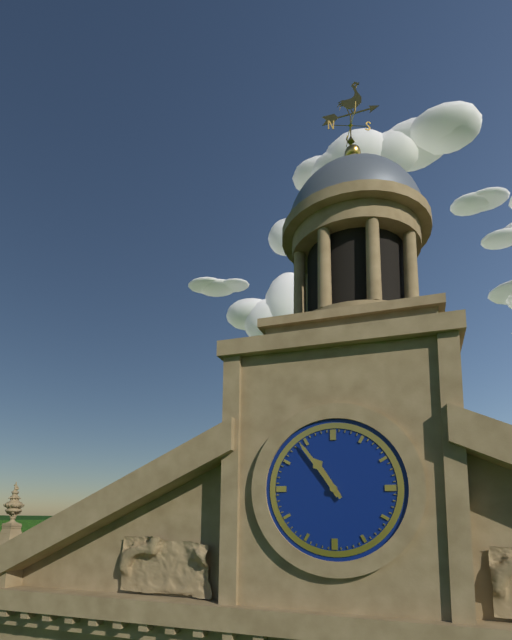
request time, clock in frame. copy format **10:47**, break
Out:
**10:54**
